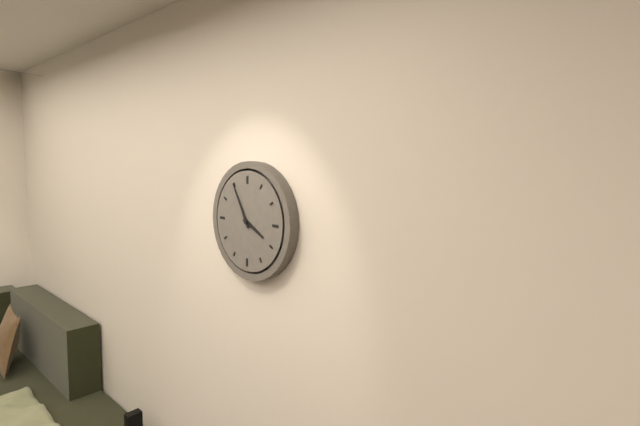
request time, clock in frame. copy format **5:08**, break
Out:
**3:55**
